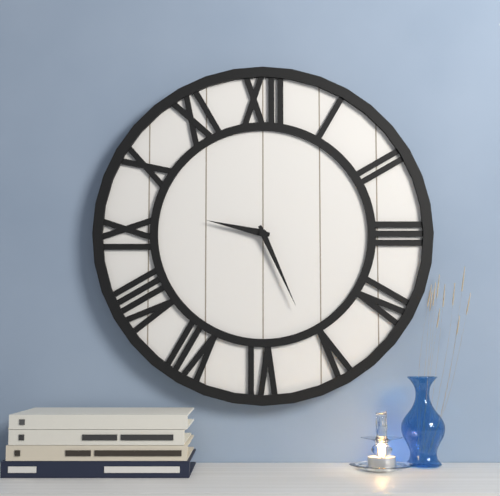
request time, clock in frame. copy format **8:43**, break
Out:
**9:26**
